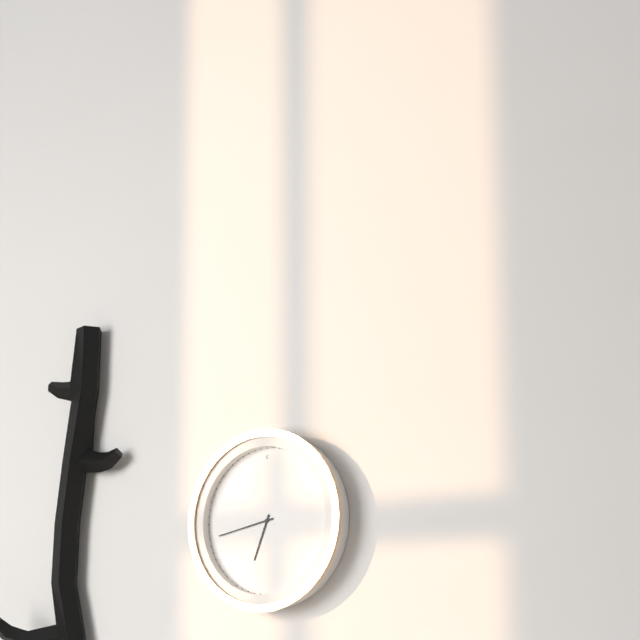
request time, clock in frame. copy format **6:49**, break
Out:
**6:43**
